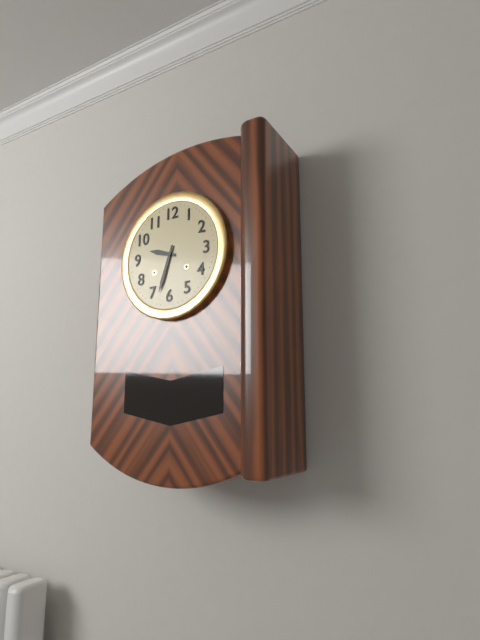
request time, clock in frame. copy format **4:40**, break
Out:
**9:33**
